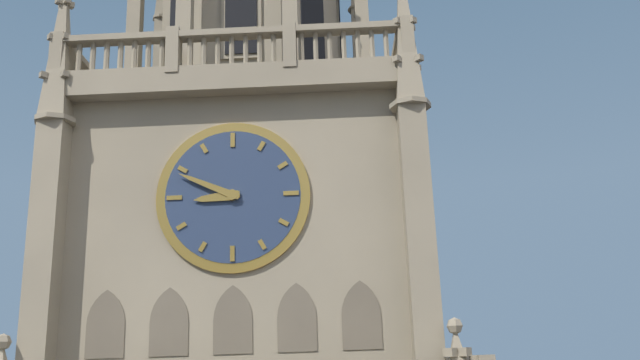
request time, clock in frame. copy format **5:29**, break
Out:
**8:49**
